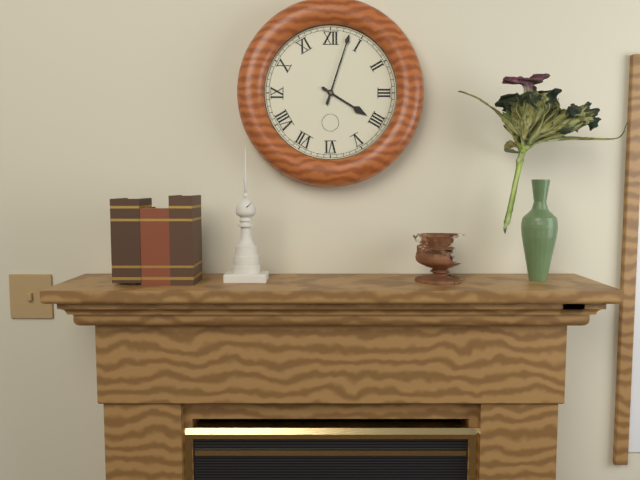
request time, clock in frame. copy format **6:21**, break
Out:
**4:03**
